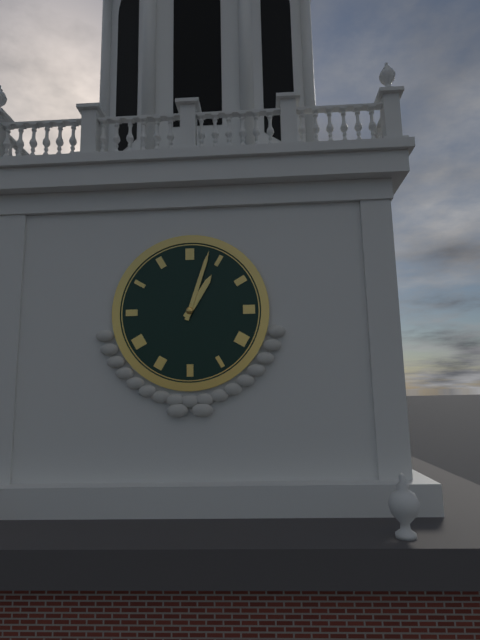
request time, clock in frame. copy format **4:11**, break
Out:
**1:03**
